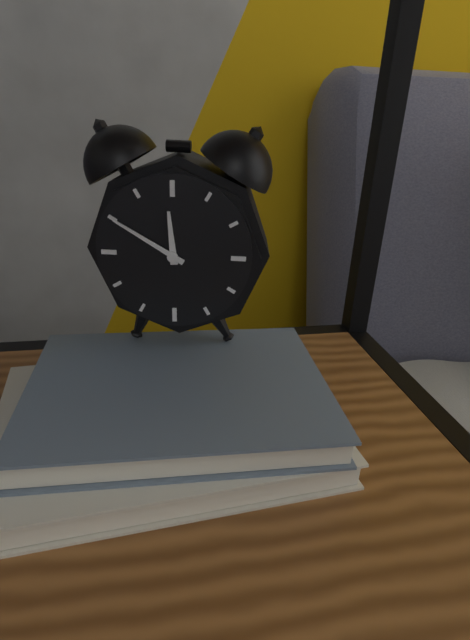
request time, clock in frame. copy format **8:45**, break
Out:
**11:50**
